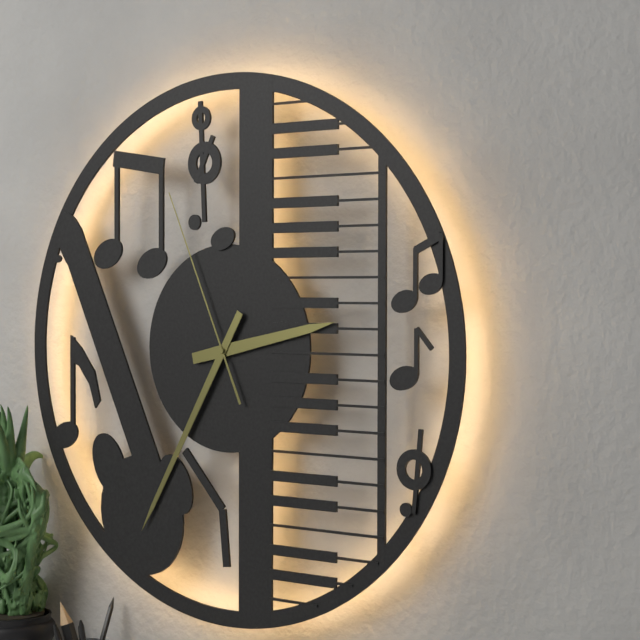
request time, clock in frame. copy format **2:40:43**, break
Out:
**2:35:56**
